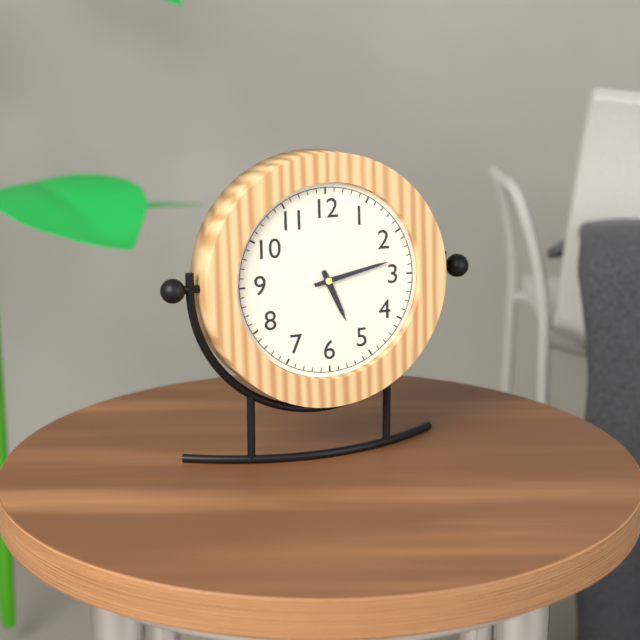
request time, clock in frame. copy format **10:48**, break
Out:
**5:13**
